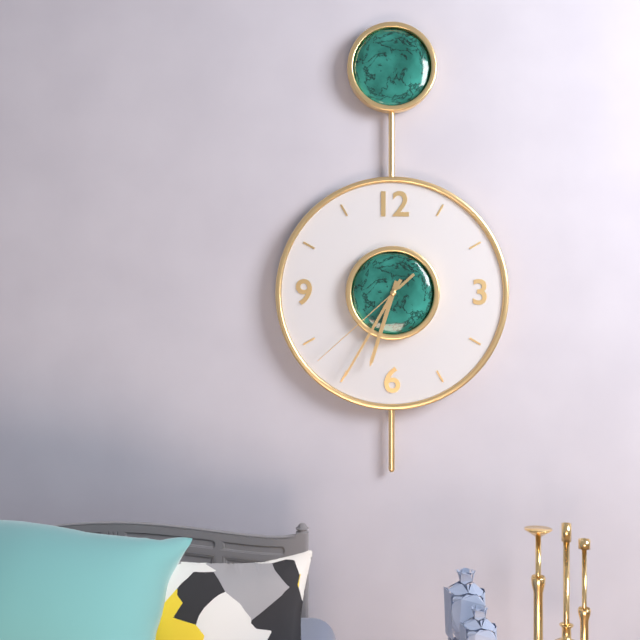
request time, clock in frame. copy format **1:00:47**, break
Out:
**6:35:38**
